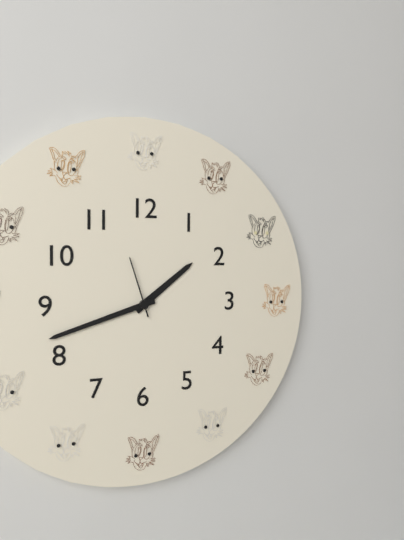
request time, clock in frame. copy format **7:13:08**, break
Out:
**1:42:57**
